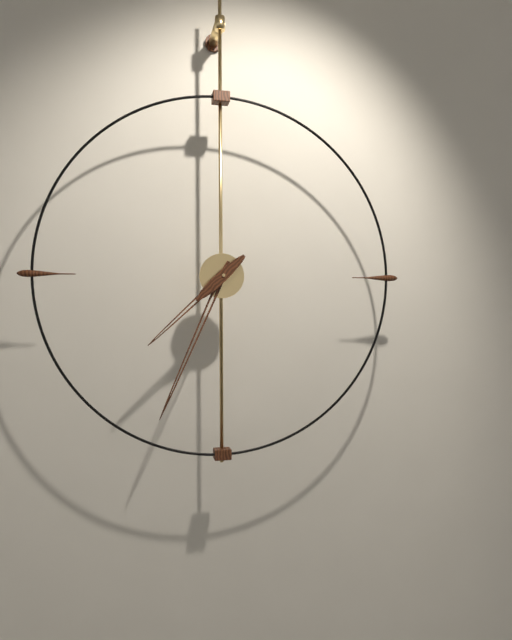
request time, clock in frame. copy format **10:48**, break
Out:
**7:34**
